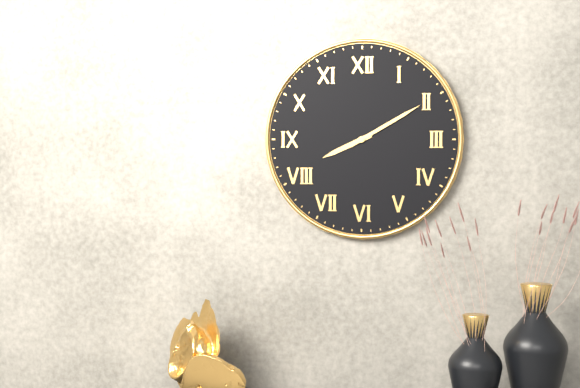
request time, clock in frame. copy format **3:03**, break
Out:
**8:10**
